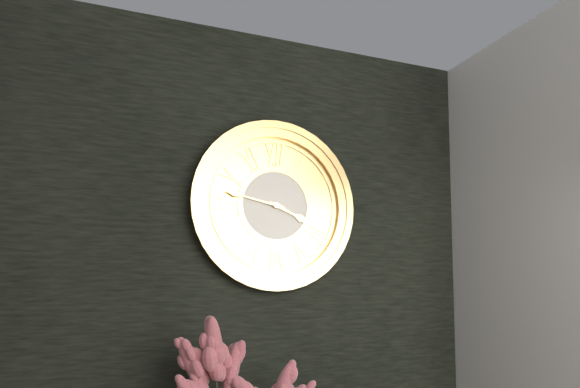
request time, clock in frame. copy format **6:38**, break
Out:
**3:47**
